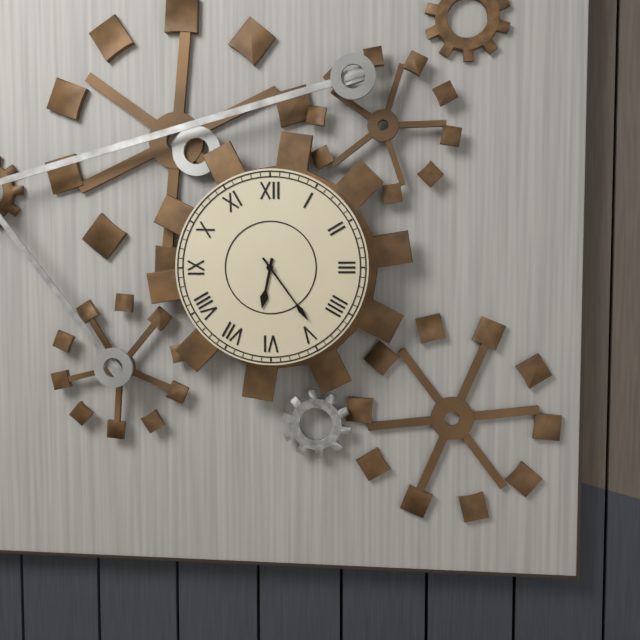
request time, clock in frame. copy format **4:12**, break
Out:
**6:24**
